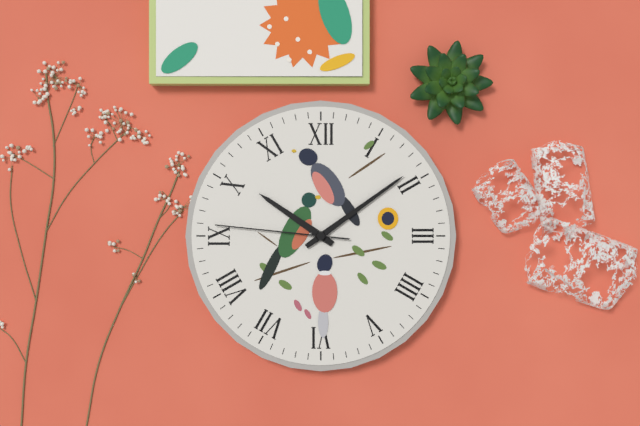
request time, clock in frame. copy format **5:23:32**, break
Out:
**10:09:46**
